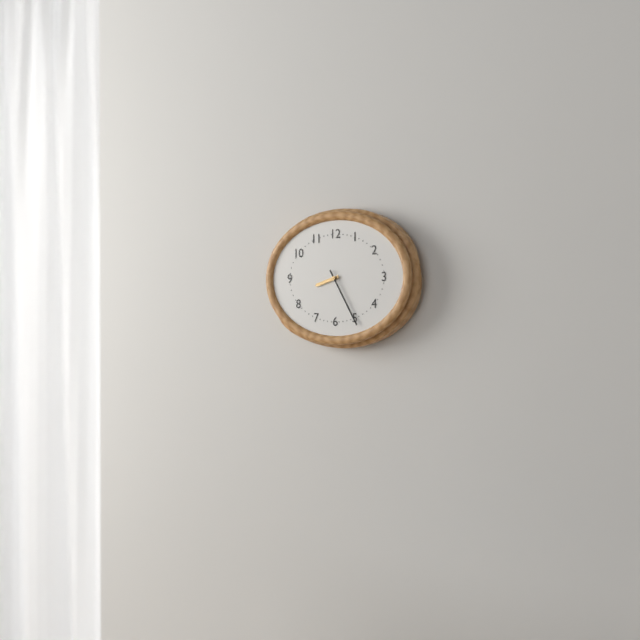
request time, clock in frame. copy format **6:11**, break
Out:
**8:25**
